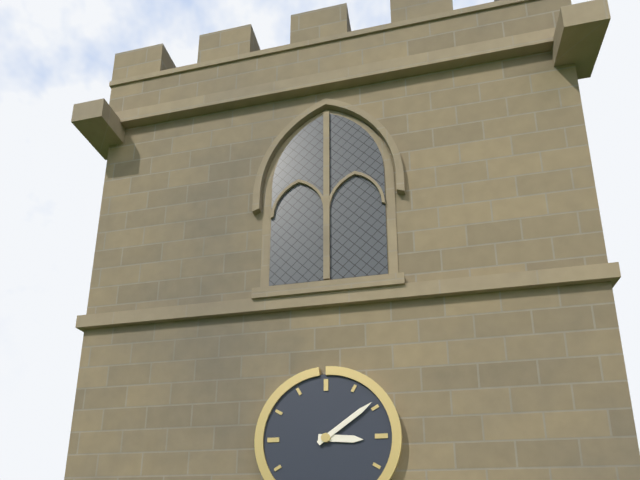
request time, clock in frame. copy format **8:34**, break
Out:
**3:09**
